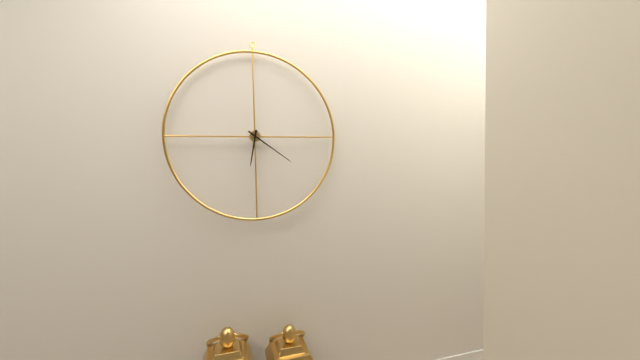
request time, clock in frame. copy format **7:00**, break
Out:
**6:21**
